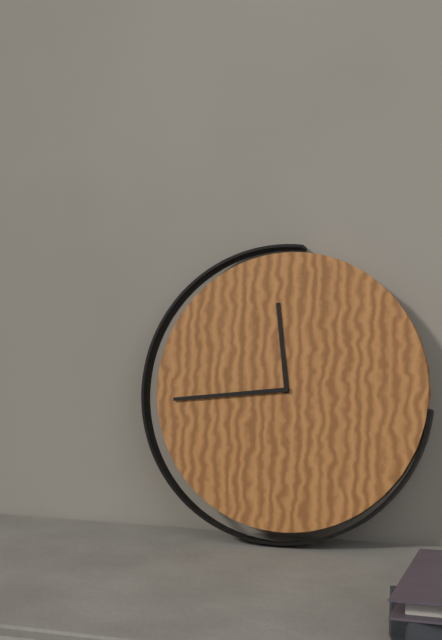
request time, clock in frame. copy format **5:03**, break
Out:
**11:44**
